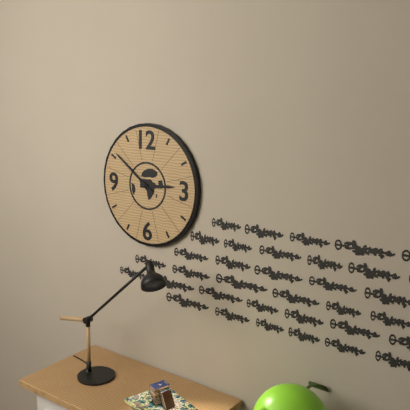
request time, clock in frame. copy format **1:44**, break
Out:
**2:51**
